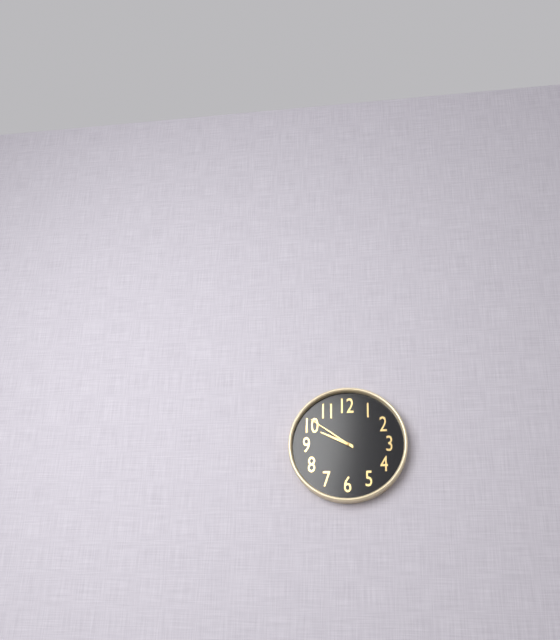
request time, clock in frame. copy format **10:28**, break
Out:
**9:51**
